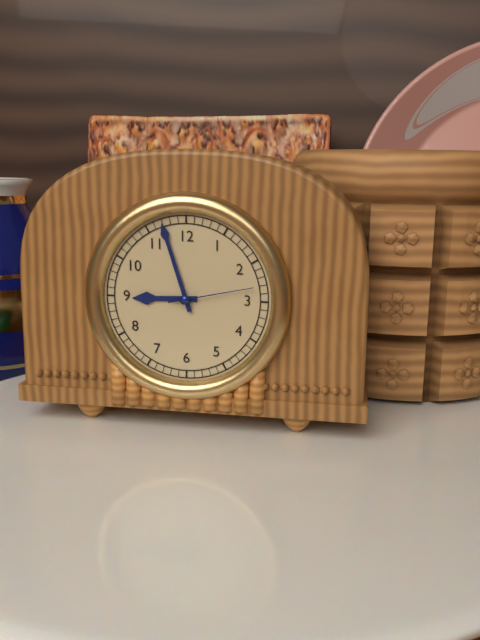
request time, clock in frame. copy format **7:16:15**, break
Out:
**8:57:13**
